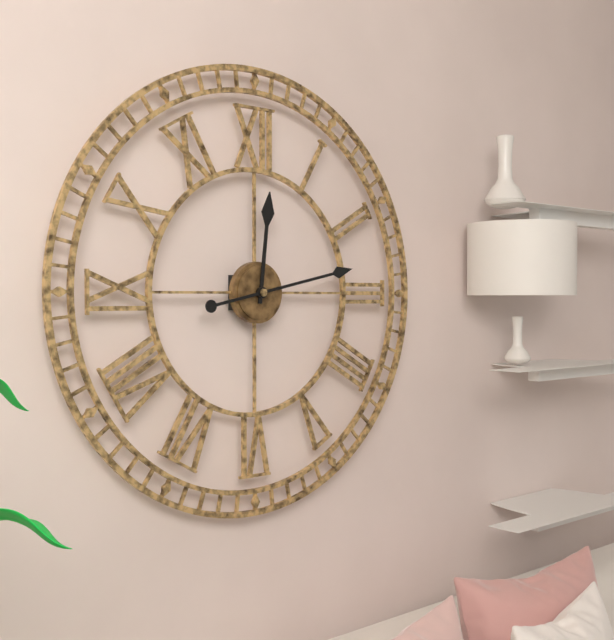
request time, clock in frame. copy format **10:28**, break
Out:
**12:13**
